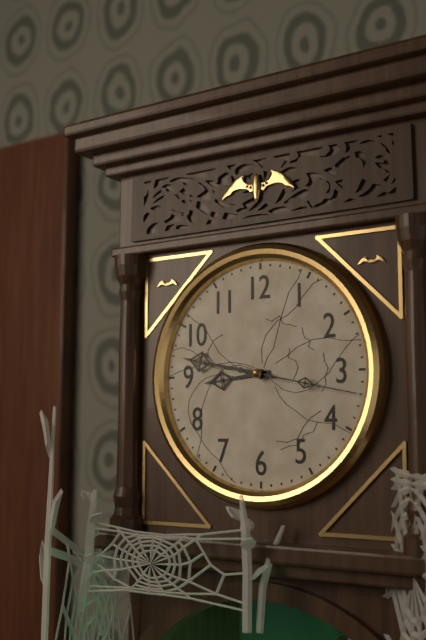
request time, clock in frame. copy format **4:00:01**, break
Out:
**8:47:17**
